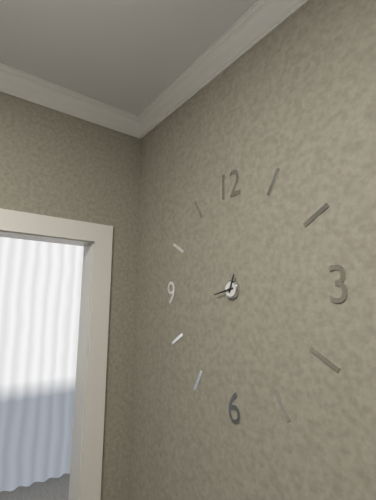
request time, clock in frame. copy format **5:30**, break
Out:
**12:43**
